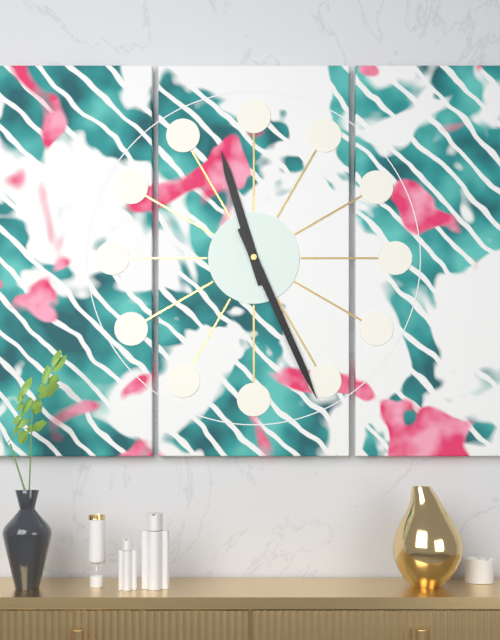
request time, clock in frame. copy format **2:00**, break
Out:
**11:26**
